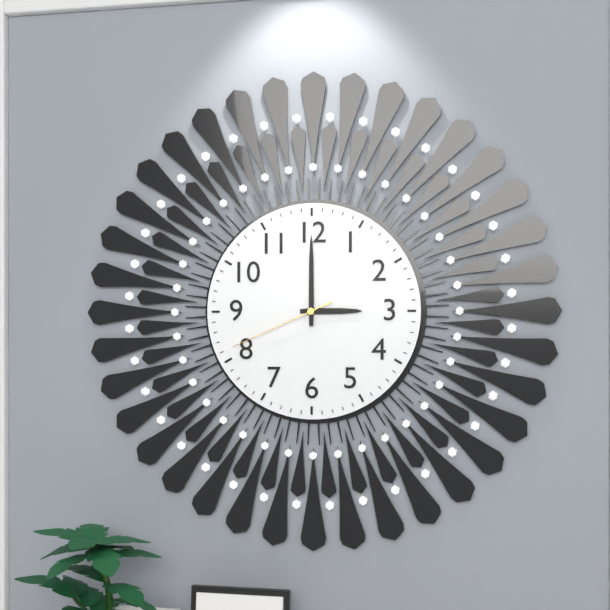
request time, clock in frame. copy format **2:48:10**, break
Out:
**3:00:41**
